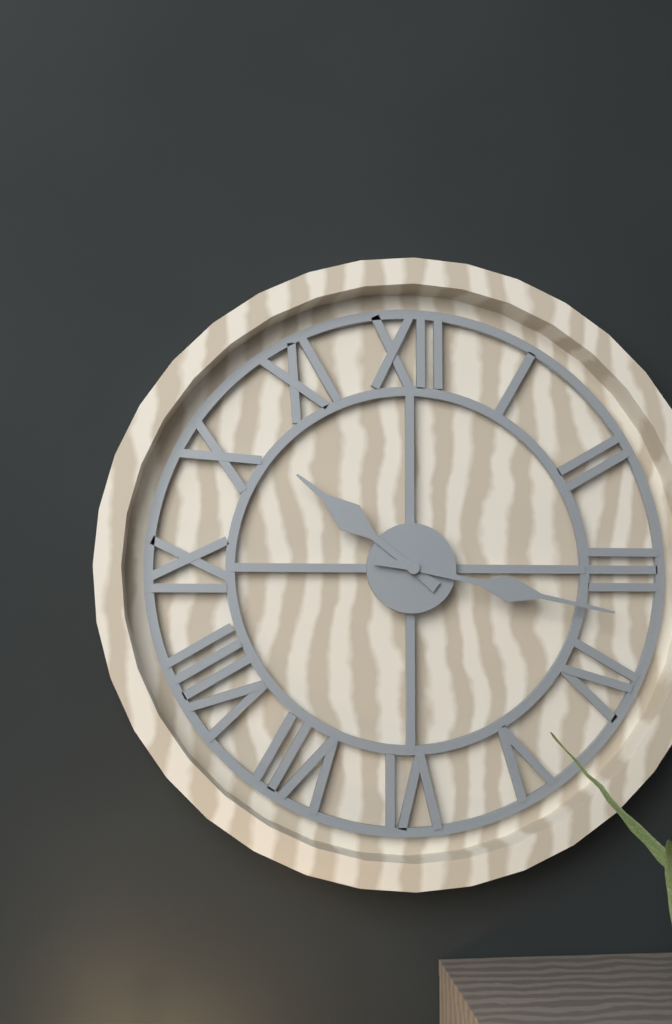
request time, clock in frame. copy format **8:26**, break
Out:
**10:17**
